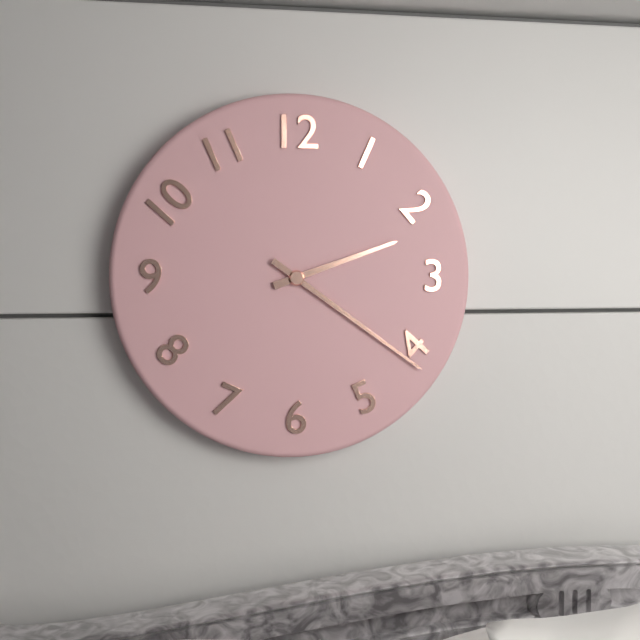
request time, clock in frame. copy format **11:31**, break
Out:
**2:21**
